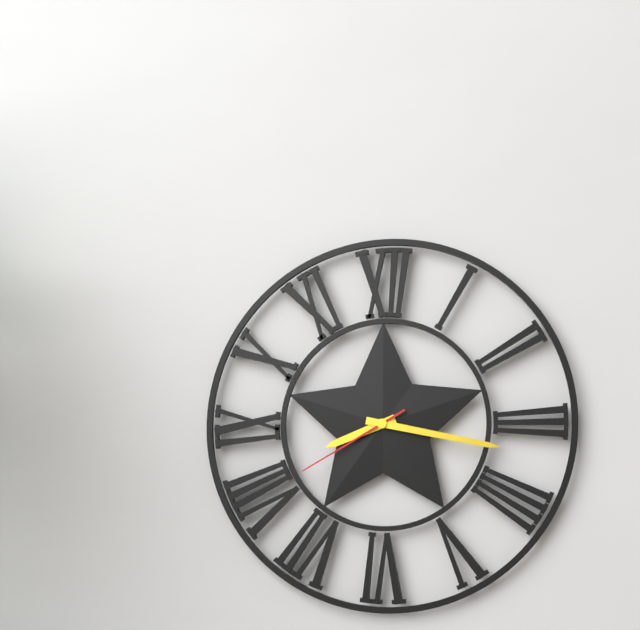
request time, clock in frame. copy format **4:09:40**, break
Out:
**8:17:40**
